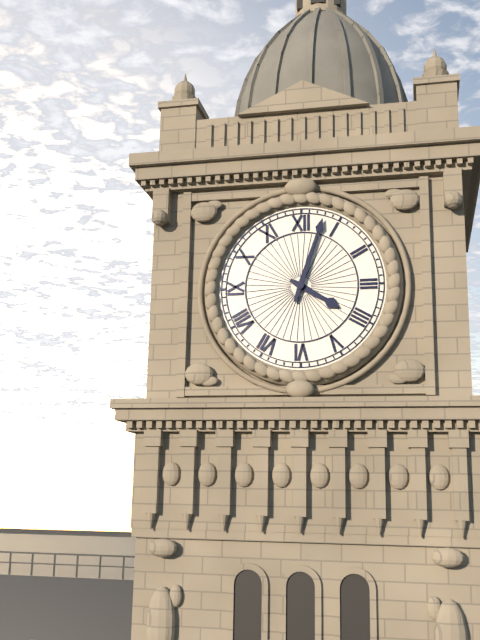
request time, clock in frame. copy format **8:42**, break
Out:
**4:03**
